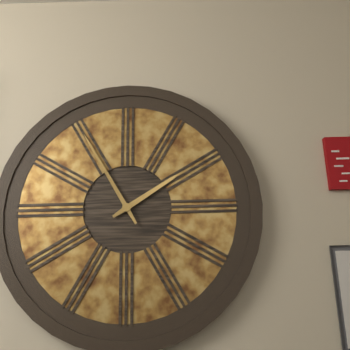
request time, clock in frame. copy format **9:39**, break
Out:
**1:55**
